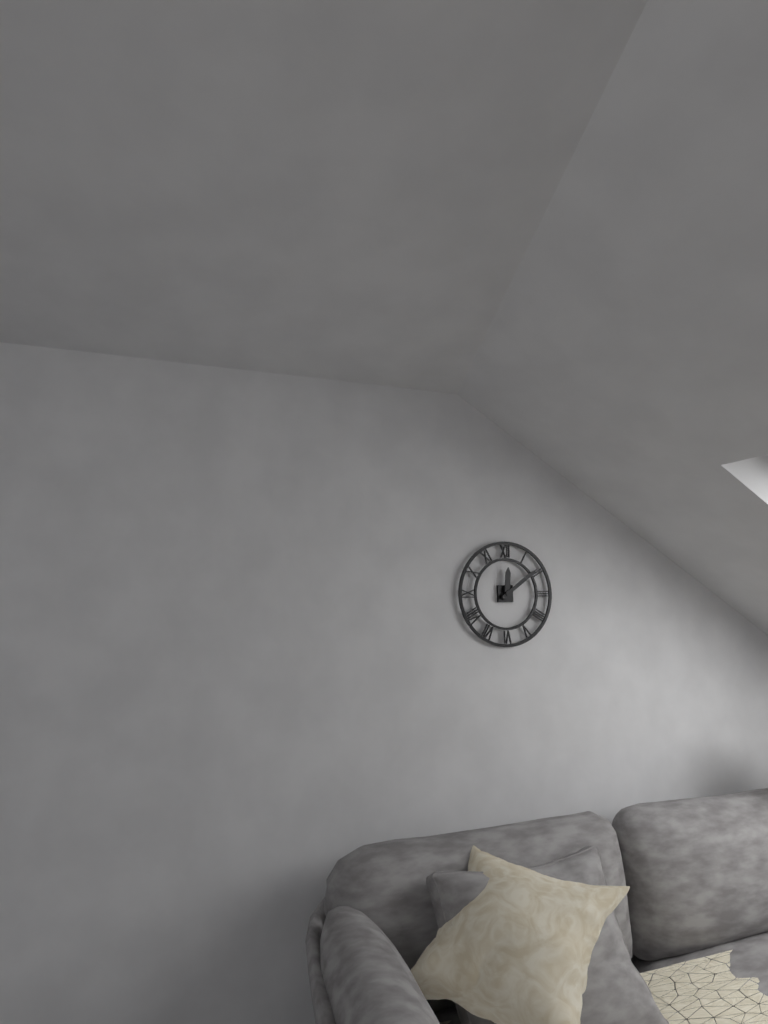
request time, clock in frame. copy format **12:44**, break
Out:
**12:09**
